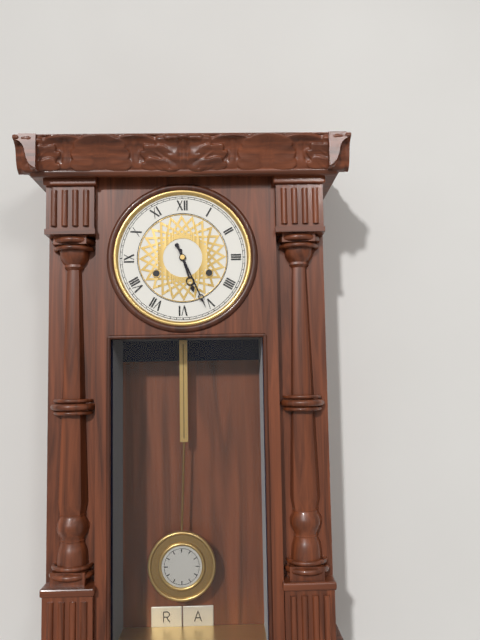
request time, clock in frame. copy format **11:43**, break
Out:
**5:26**
